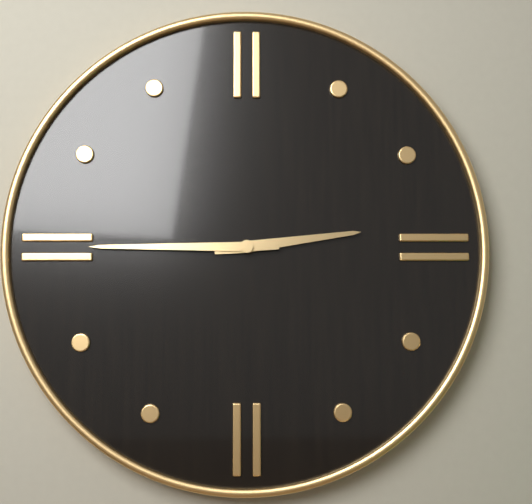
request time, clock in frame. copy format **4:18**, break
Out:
**2:45**
